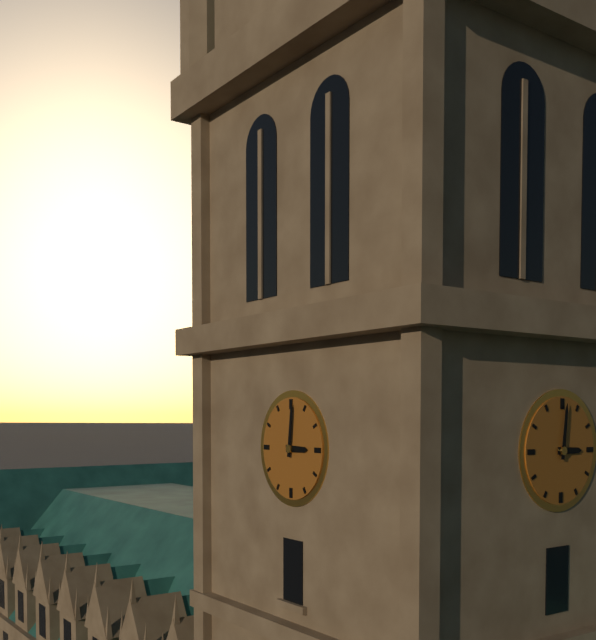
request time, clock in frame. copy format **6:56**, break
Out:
**3:01**
